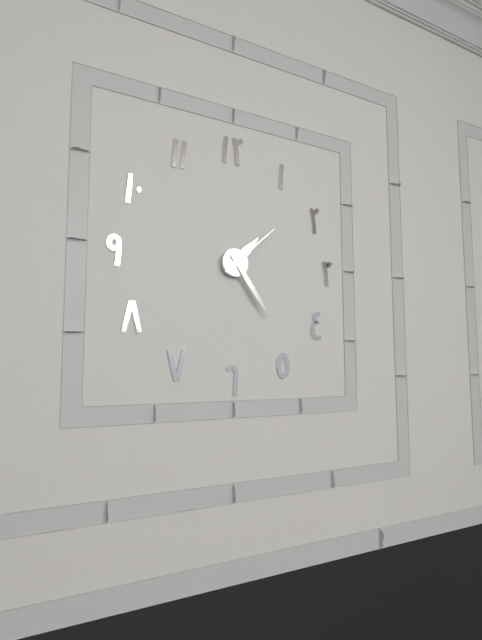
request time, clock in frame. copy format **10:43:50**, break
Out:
**1:24:08**
